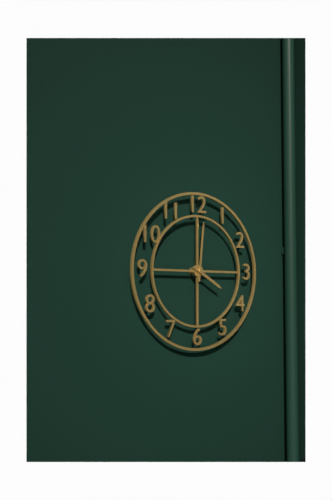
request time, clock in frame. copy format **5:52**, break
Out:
**4:01**
